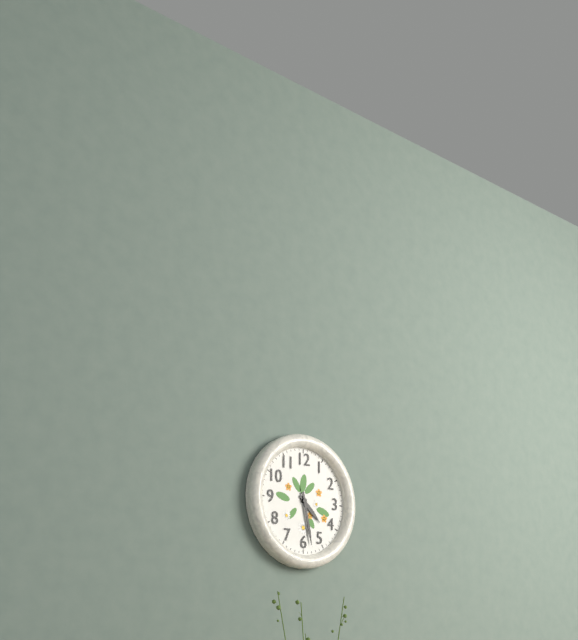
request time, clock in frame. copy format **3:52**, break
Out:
**4:28**
